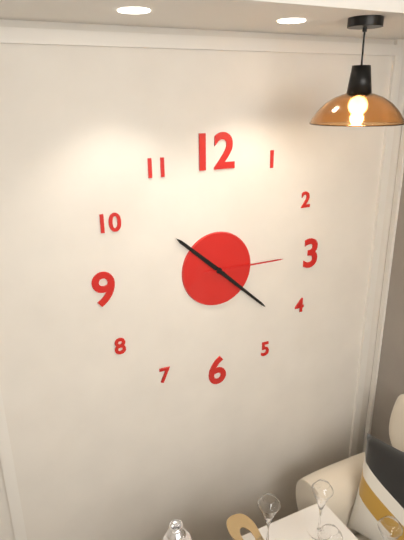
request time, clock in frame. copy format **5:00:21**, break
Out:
**10:22:15**
